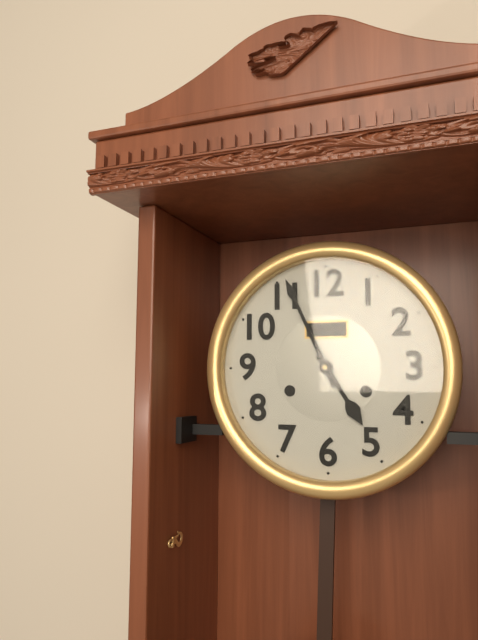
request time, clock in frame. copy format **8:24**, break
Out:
**4:56**
